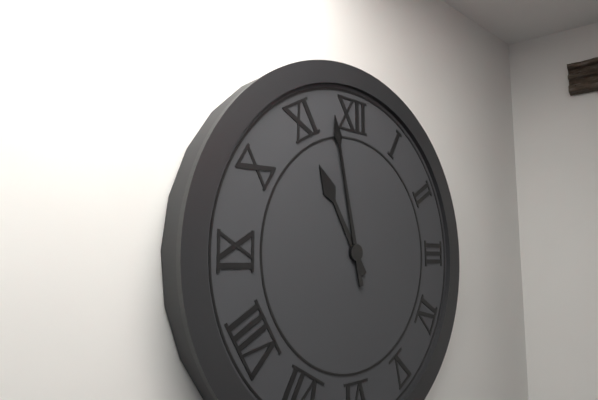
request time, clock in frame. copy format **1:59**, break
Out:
**10:58**
